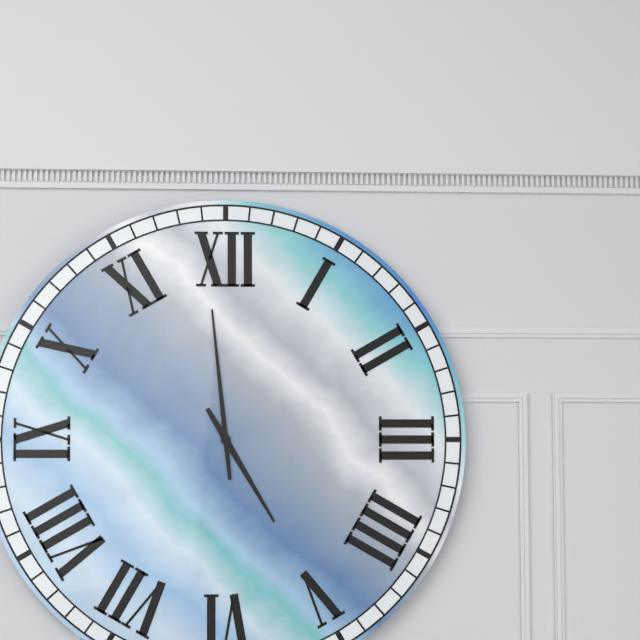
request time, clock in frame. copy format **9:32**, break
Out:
**4:59**
